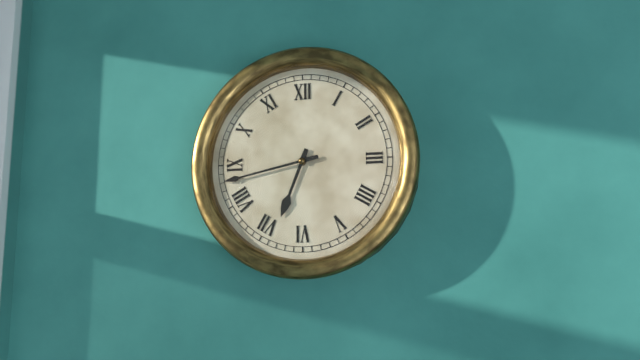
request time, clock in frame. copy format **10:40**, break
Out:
**6:43**
